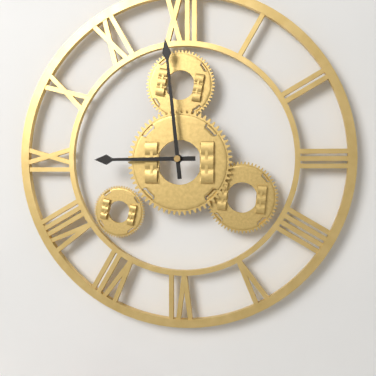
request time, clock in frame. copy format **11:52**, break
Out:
**8:59**
